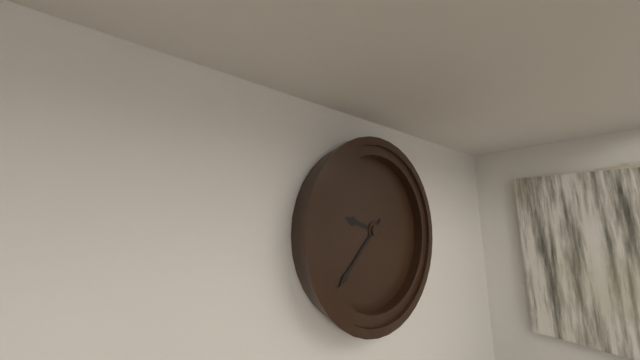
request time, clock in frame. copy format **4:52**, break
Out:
**9:38**
